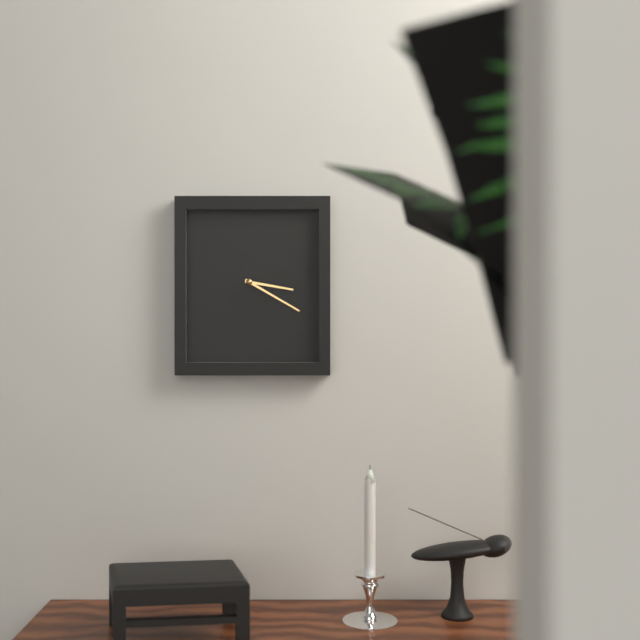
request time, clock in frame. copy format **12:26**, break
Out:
**3:20**
